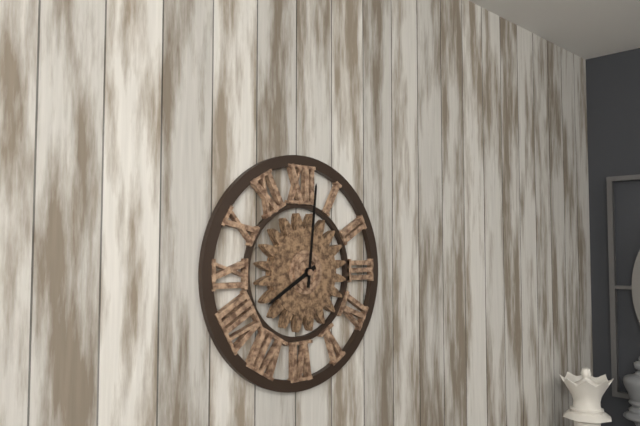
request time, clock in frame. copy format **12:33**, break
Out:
**8:01**
